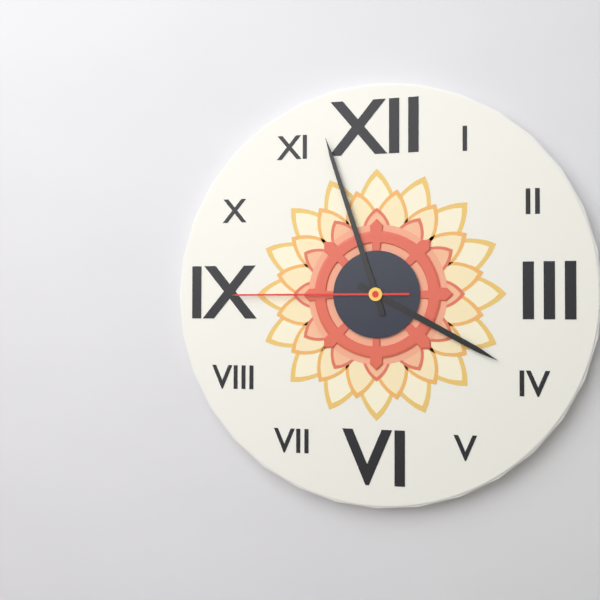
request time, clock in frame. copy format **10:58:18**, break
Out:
**3:57:45**
